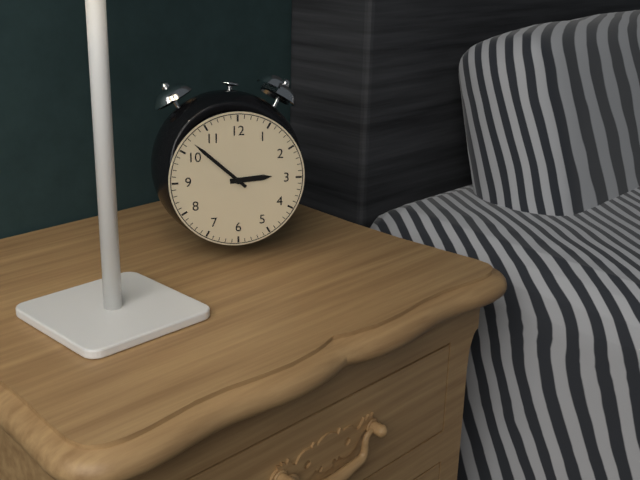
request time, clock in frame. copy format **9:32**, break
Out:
**2:52**
